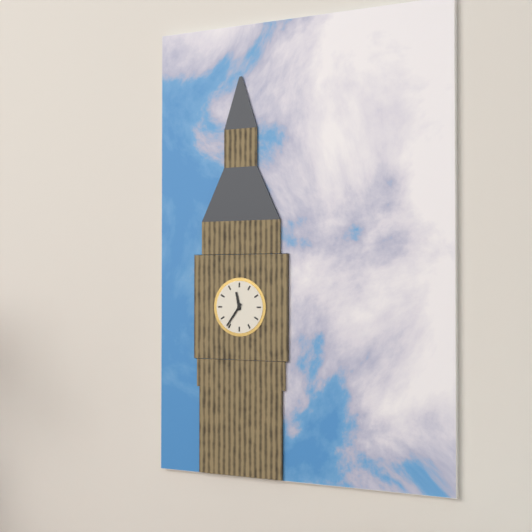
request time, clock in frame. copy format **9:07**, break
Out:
**11:36**
